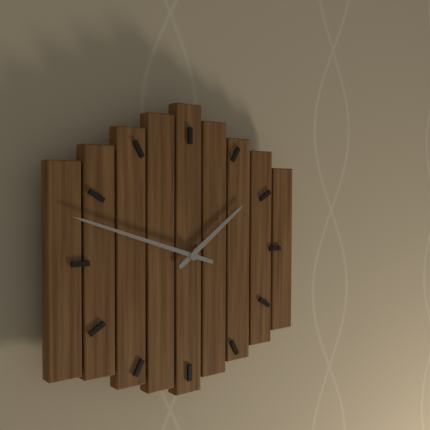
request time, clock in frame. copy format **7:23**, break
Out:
**1:48**
